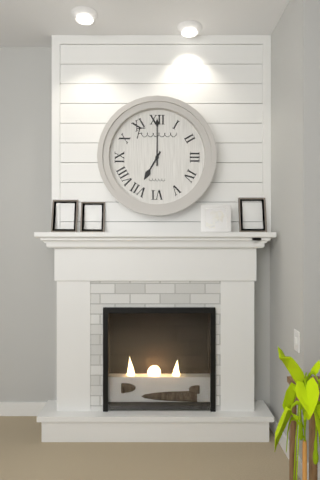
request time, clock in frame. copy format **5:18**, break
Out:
**7:00**
